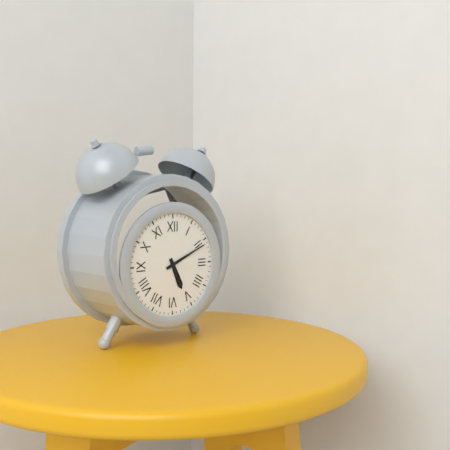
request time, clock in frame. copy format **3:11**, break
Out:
**5:11**
